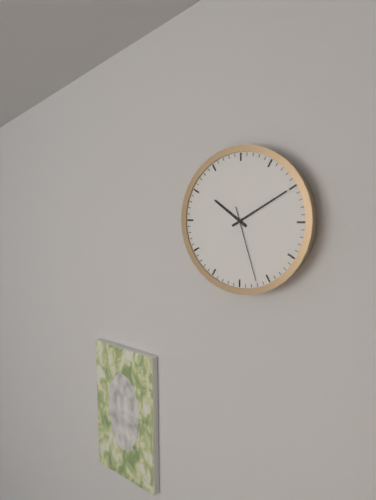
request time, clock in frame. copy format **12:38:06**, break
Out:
**10:10:27**
